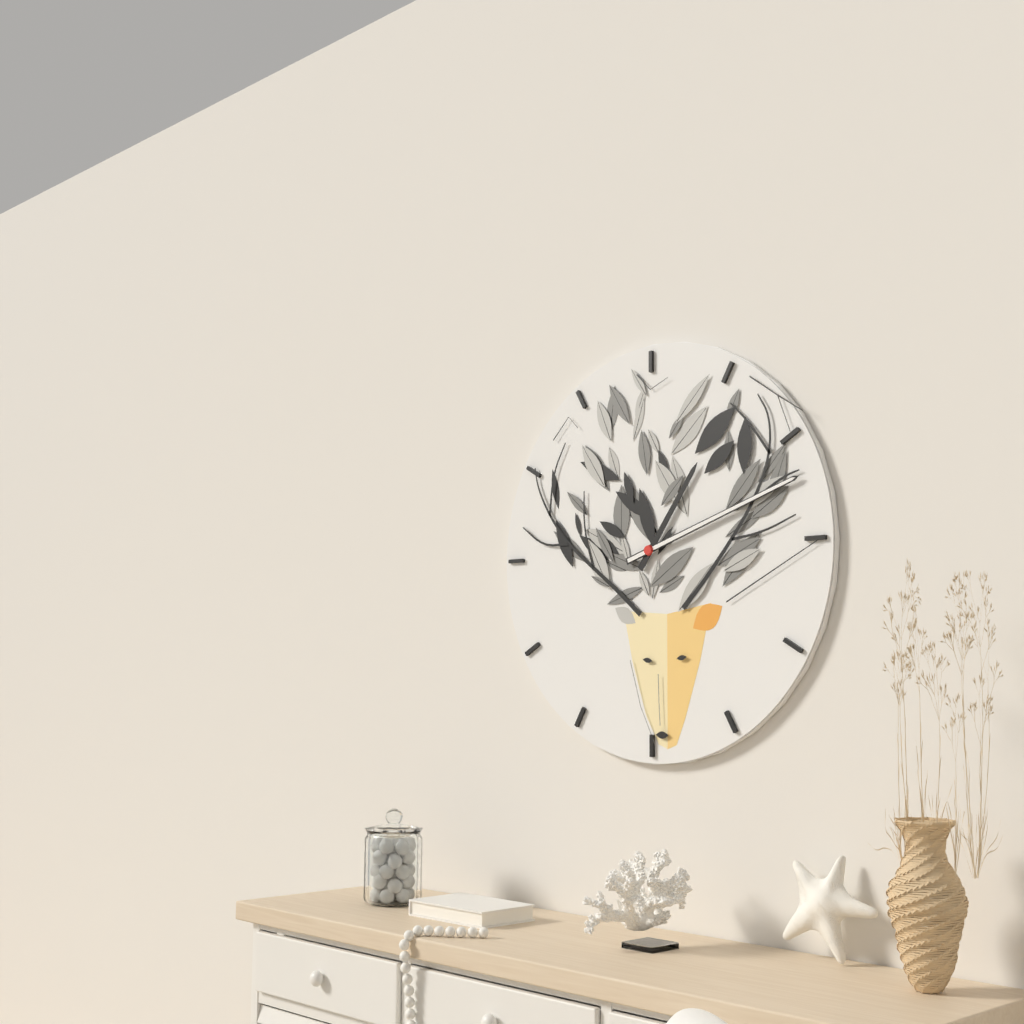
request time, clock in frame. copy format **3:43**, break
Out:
**1:12**
